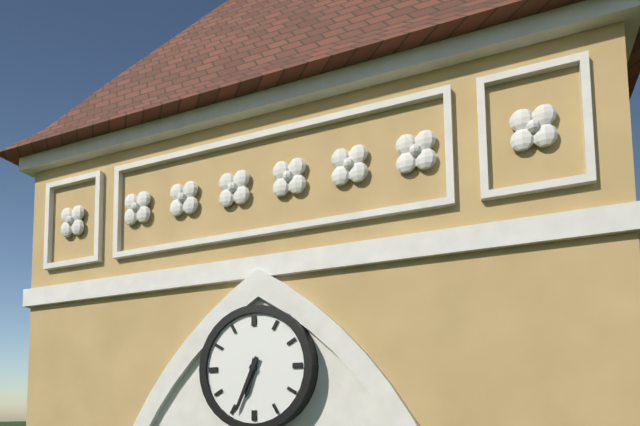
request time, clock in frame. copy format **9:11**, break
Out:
**6:34**
